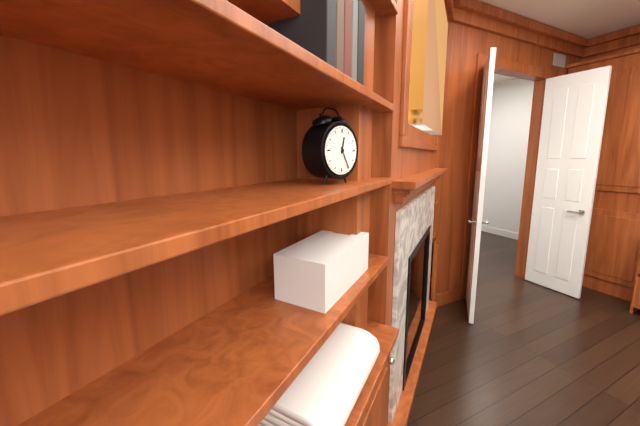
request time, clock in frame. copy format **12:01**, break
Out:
**12:25**
